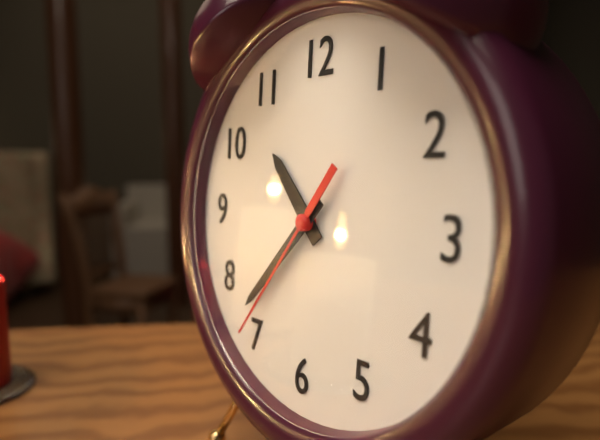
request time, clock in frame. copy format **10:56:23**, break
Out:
**10:37:36**
